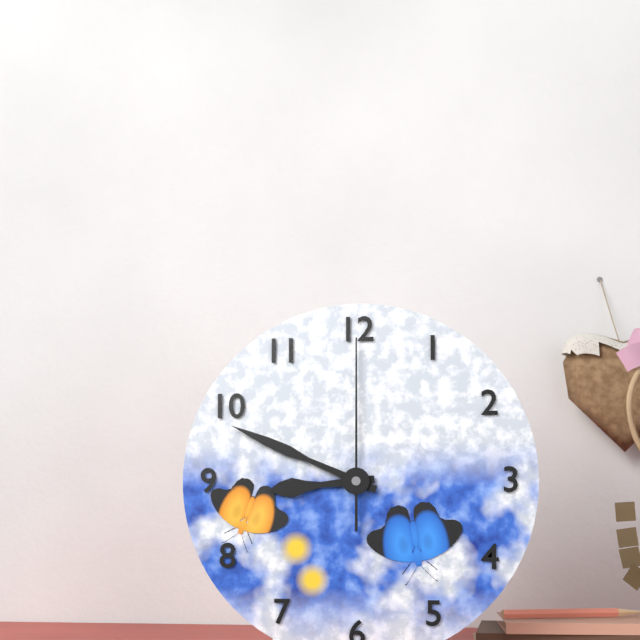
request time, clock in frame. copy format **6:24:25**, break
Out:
**8:49:00**
